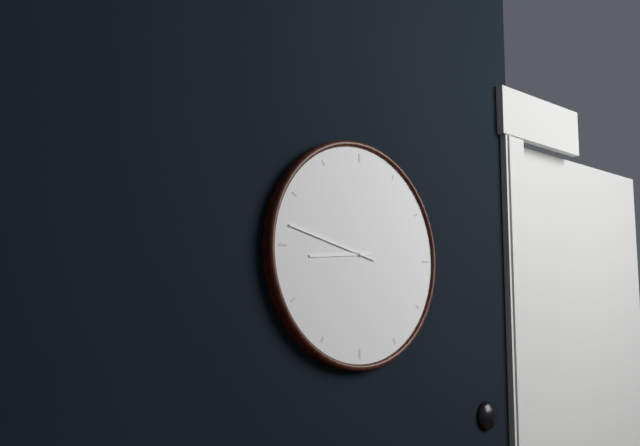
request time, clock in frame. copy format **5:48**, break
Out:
**8:47**
